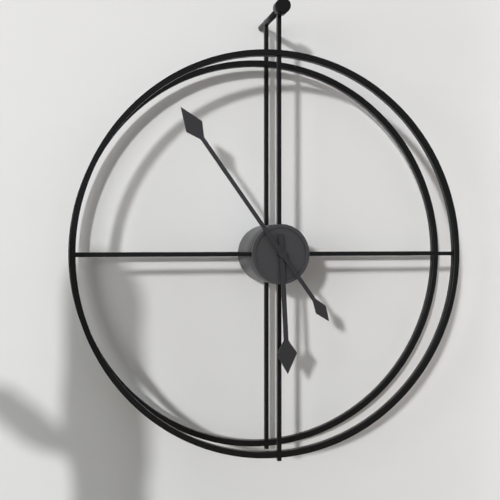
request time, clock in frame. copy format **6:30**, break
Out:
**5:54**
